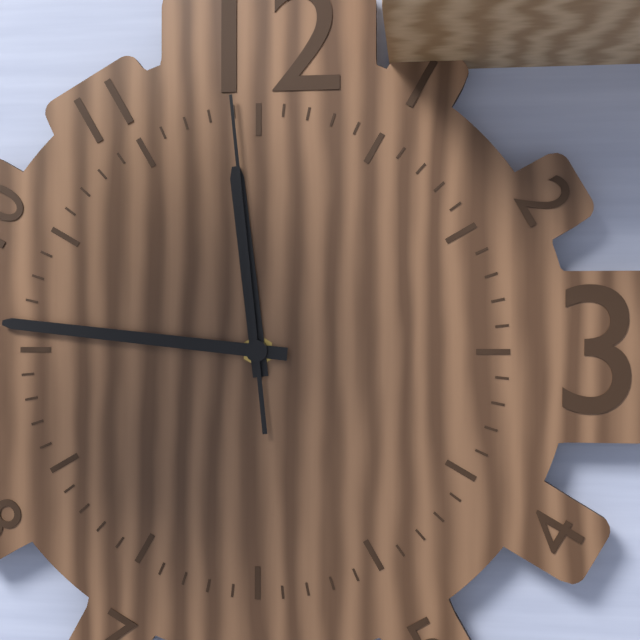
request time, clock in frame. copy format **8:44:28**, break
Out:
**11:46:59**
